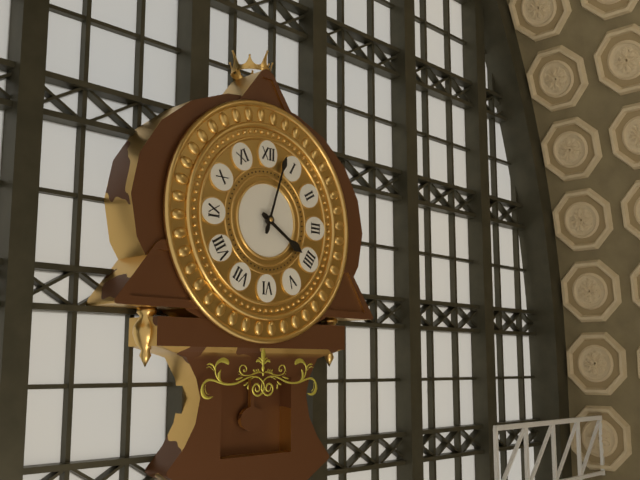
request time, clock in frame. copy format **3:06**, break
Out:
**4:03**
